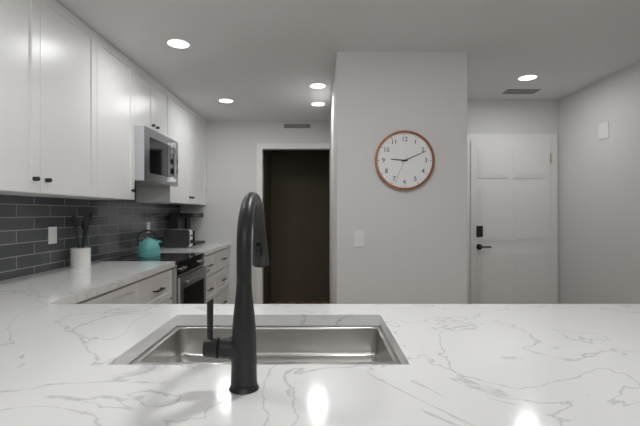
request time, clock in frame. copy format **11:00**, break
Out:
**9:11**
